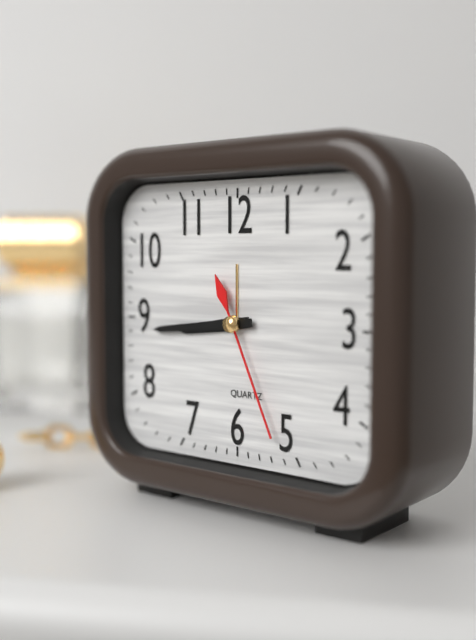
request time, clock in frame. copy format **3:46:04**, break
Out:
**8:44:26**
